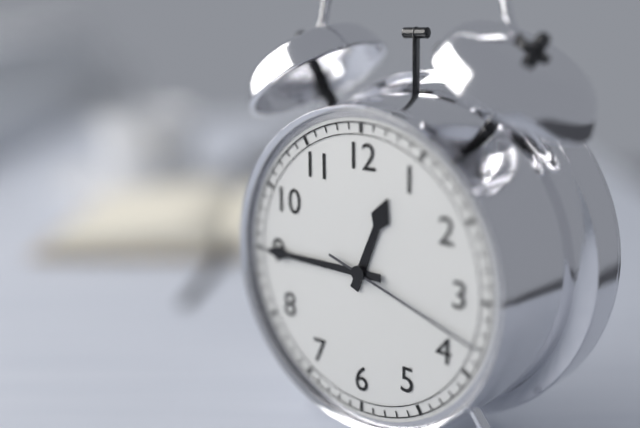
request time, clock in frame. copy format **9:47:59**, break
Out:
**12:45:18**
